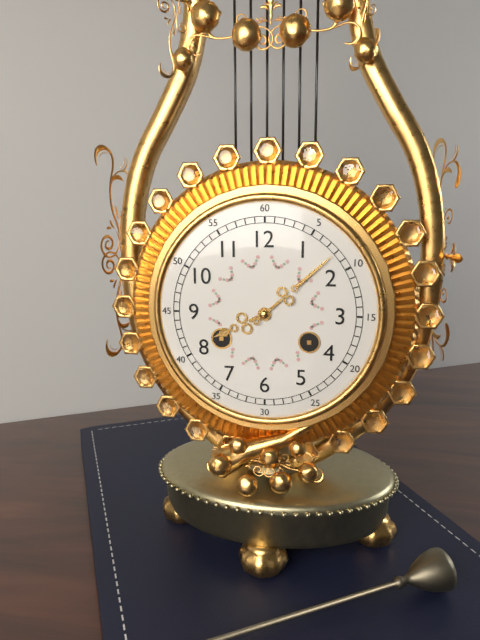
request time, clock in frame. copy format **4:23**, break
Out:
**8:08**
